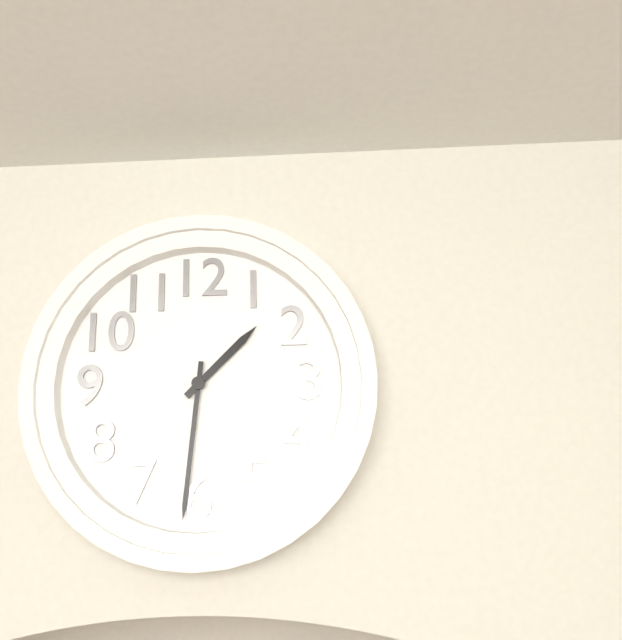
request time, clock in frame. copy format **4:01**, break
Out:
**1:31**
